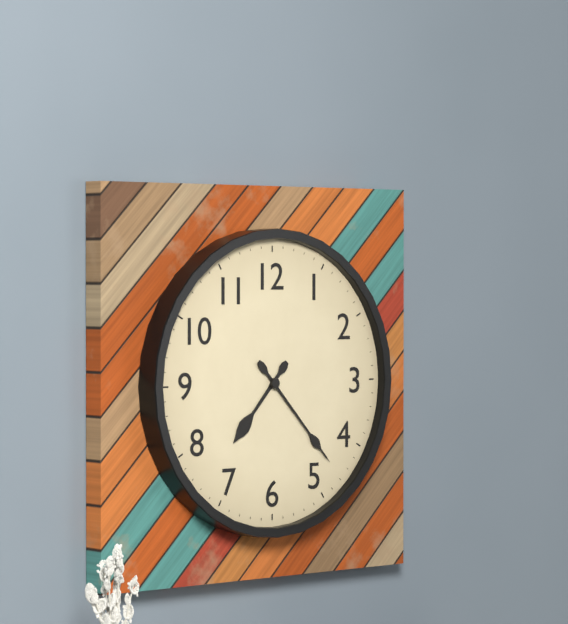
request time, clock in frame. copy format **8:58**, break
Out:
**7:23**
